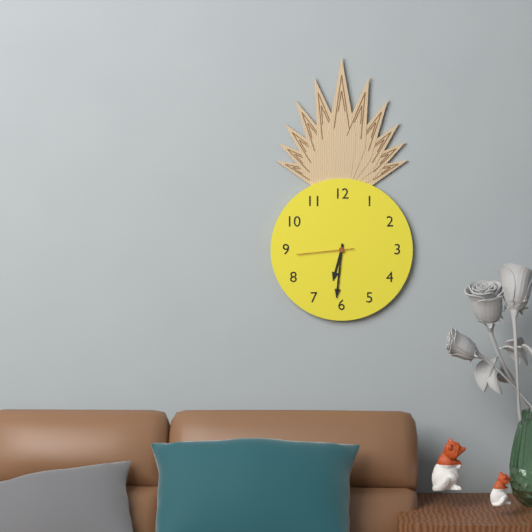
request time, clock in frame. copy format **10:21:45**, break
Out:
**6:31:44**
